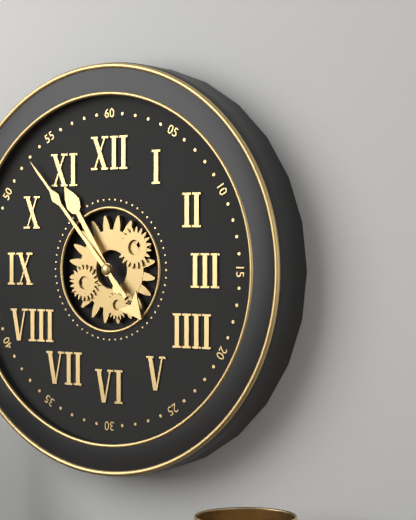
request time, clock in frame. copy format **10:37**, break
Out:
**10:53**
